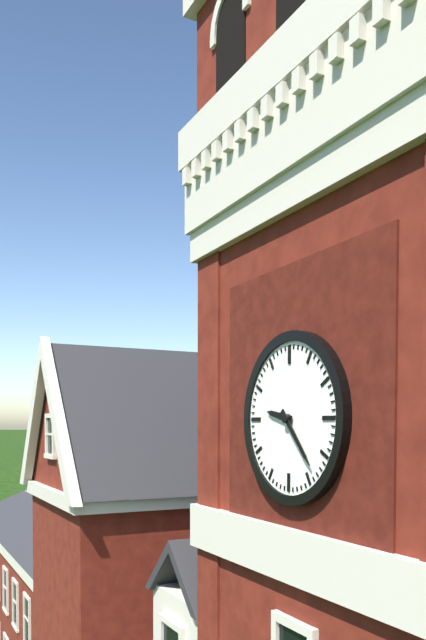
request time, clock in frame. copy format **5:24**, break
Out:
**9:23**
